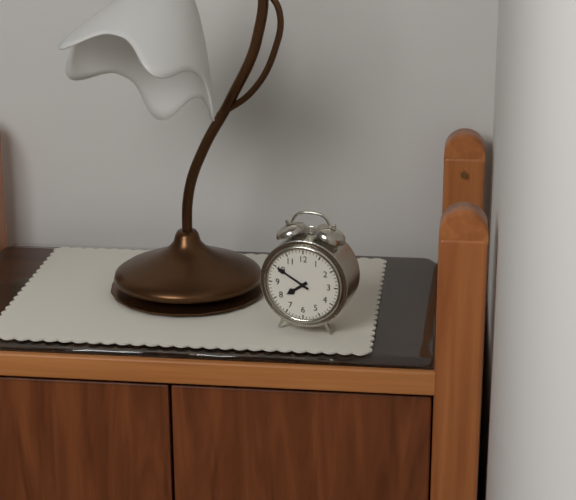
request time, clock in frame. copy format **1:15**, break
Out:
**7:50**
